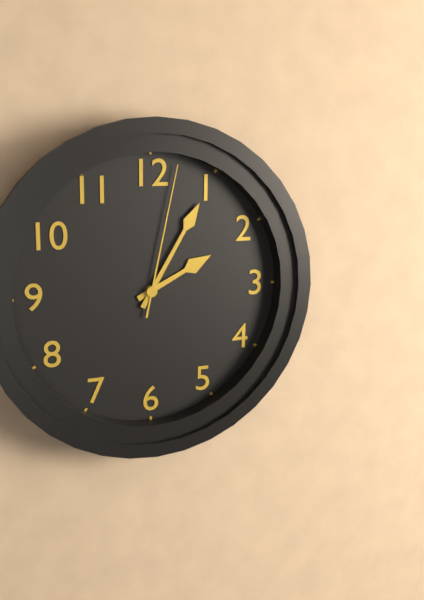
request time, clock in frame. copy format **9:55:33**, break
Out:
**2:05:02**
